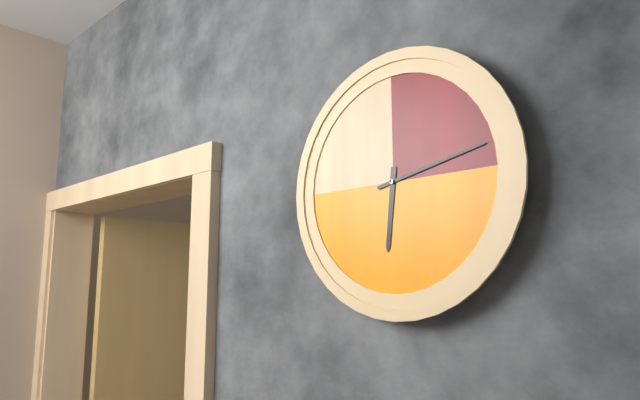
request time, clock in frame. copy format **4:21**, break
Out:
**6:13**
